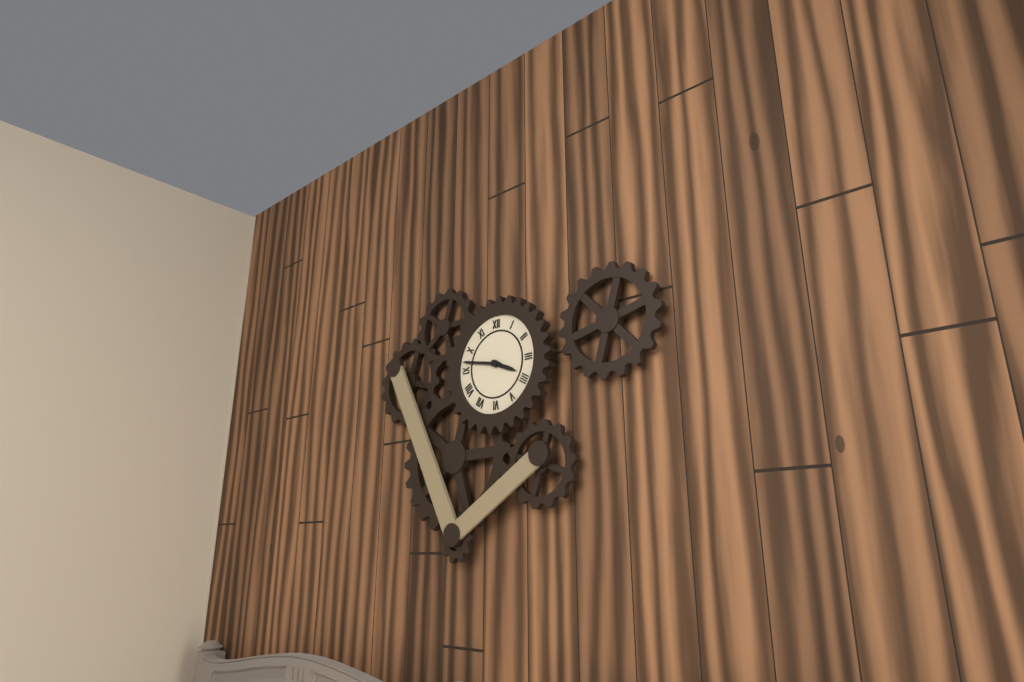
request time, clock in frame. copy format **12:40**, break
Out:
**3:47**
